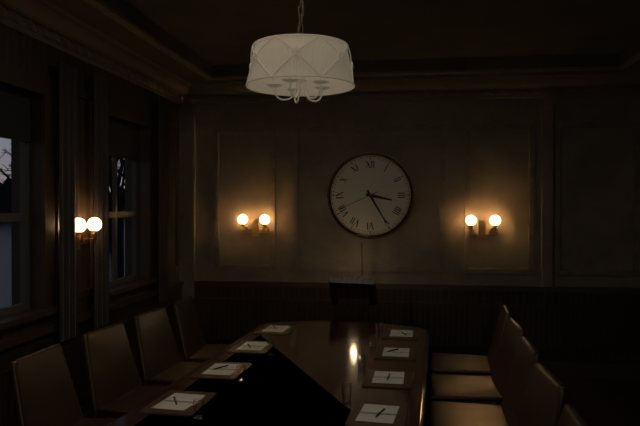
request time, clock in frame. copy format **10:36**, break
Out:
**3:25**
